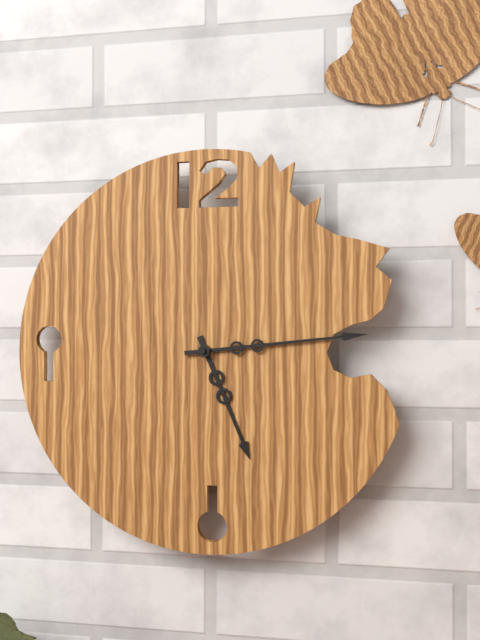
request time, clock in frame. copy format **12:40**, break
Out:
**5:14**
